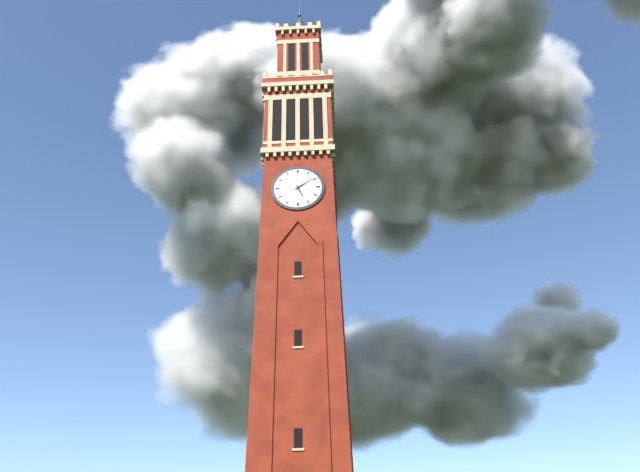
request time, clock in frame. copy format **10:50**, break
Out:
**5:09**
